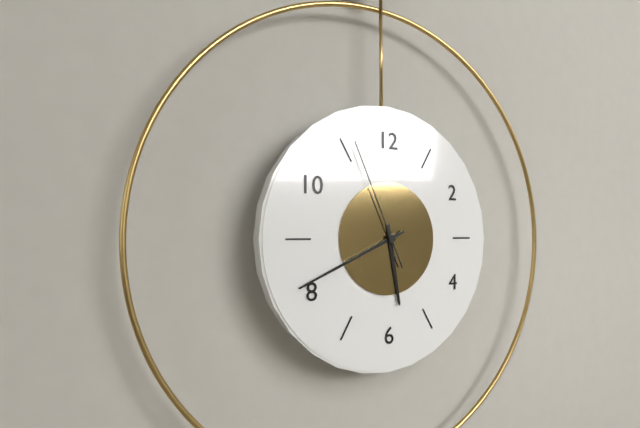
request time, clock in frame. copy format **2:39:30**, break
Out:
**5:41:56**
